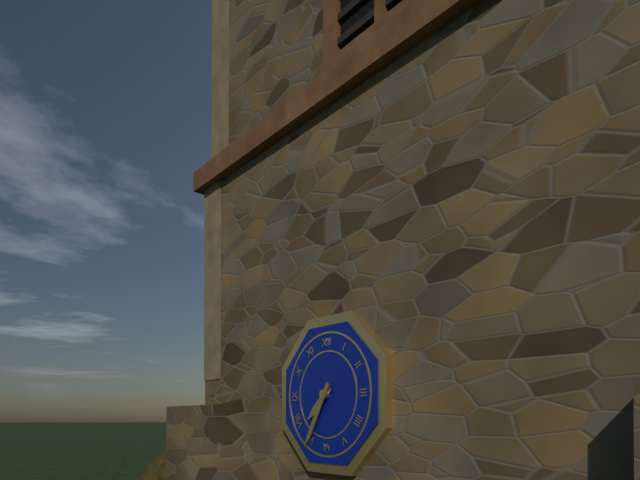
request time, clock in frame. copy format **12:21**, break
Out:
**7:35**
